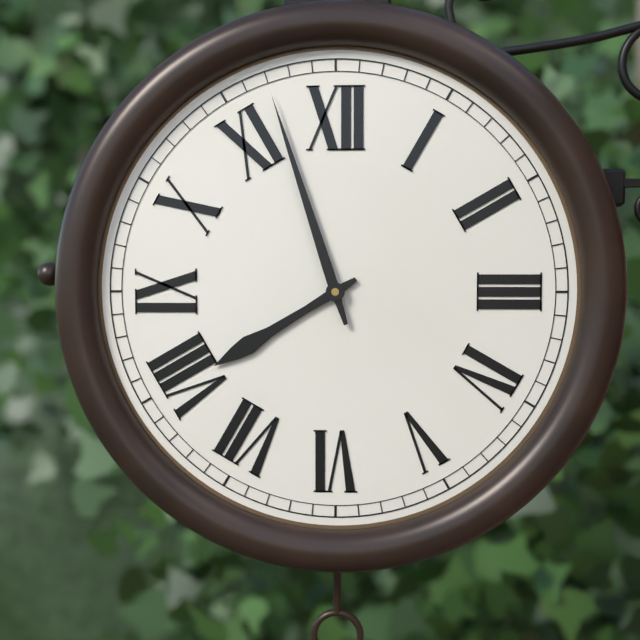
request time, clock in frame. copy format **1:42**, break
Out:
**7:57**
